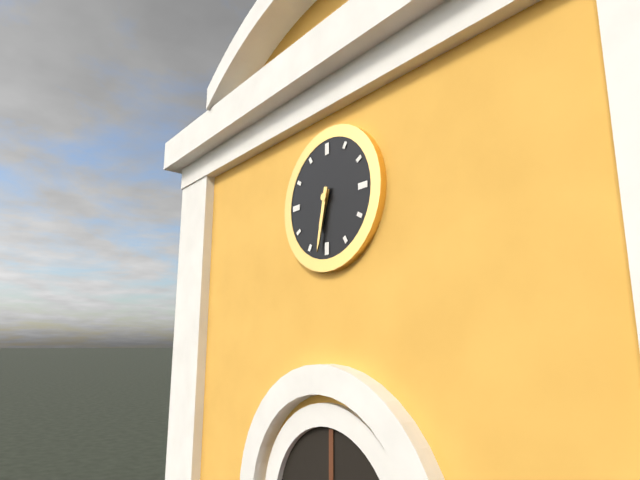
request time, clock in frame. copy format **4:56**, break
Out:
**6:32**
